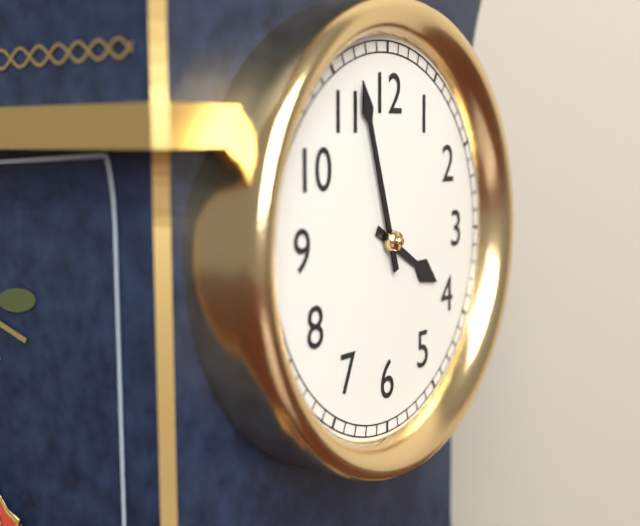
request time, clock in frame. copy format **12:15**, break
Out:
**3:57**
